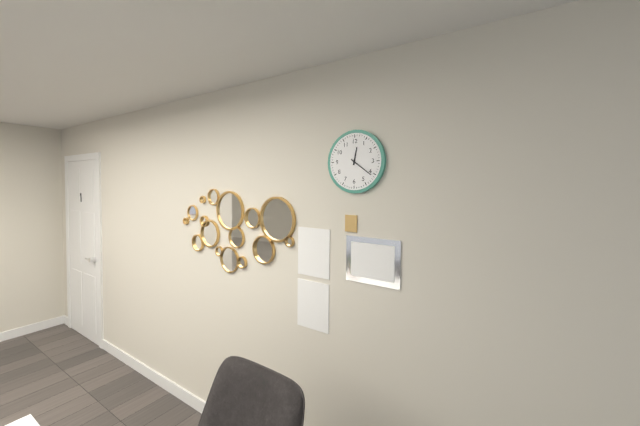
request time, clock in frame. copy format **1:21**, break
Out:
**12:21**
